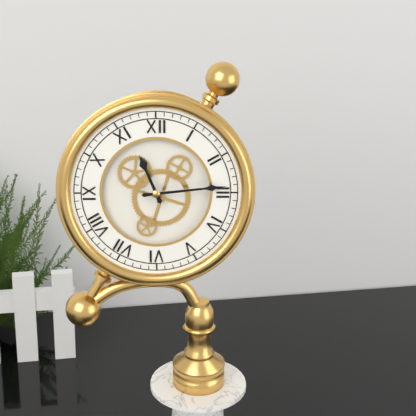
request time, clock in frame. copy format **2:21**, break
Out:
**11:14**
